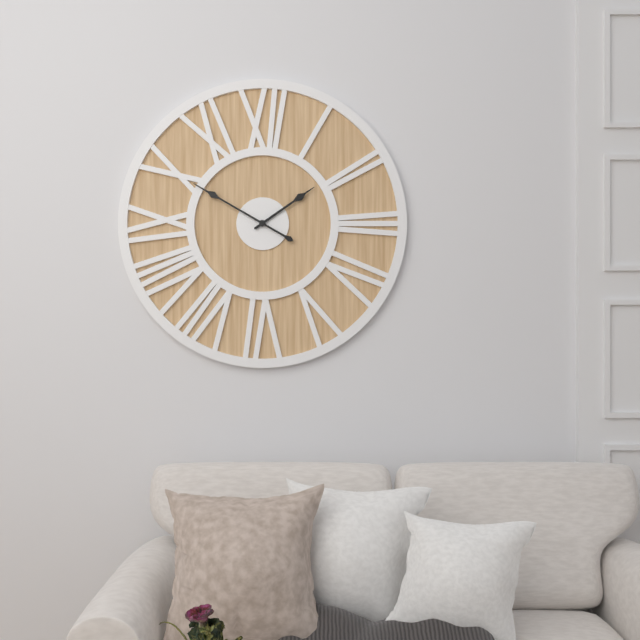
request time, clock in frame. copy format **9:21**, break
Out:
**1:50**
